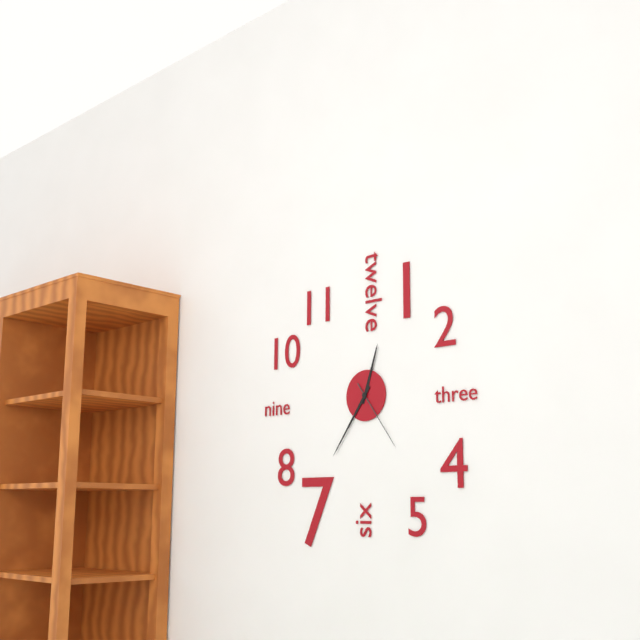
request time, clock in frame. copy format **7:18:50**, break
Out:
**12:36:24**
